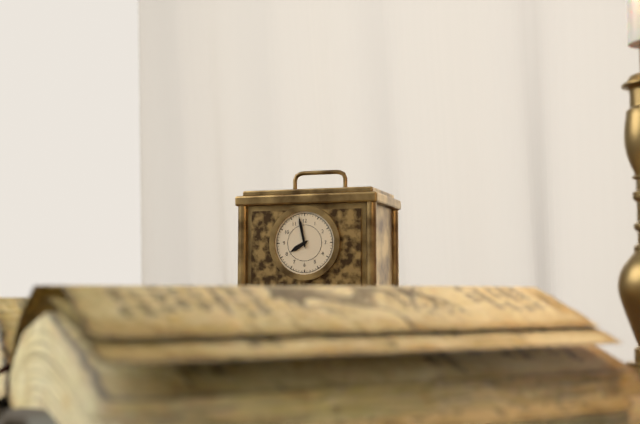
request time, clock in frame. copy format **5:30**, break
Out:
**7:58**
